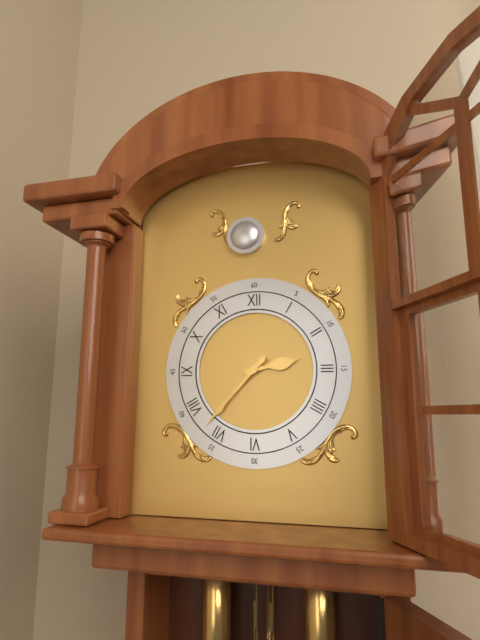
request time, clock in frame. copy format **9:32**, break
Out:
**2:37**
